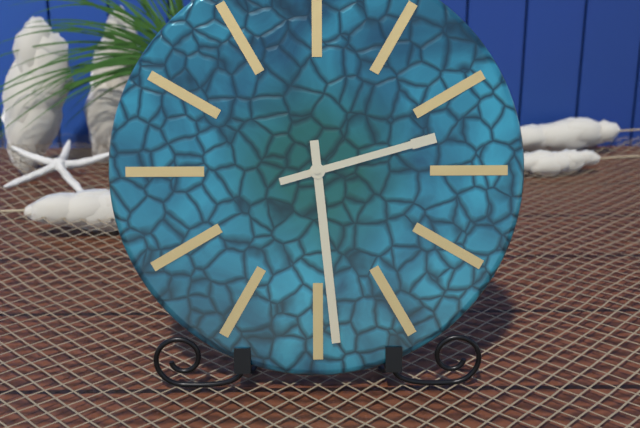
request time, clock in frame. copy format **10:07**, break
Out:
**2:29**
